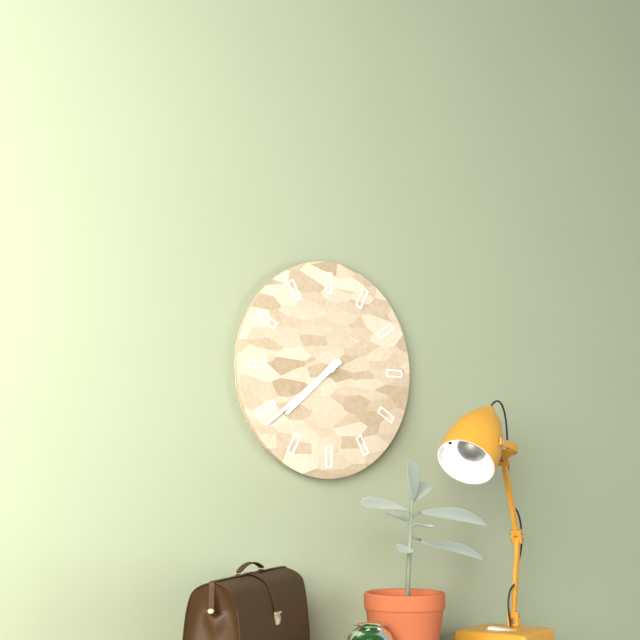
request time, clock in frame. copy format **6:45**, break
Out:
**7:39**
